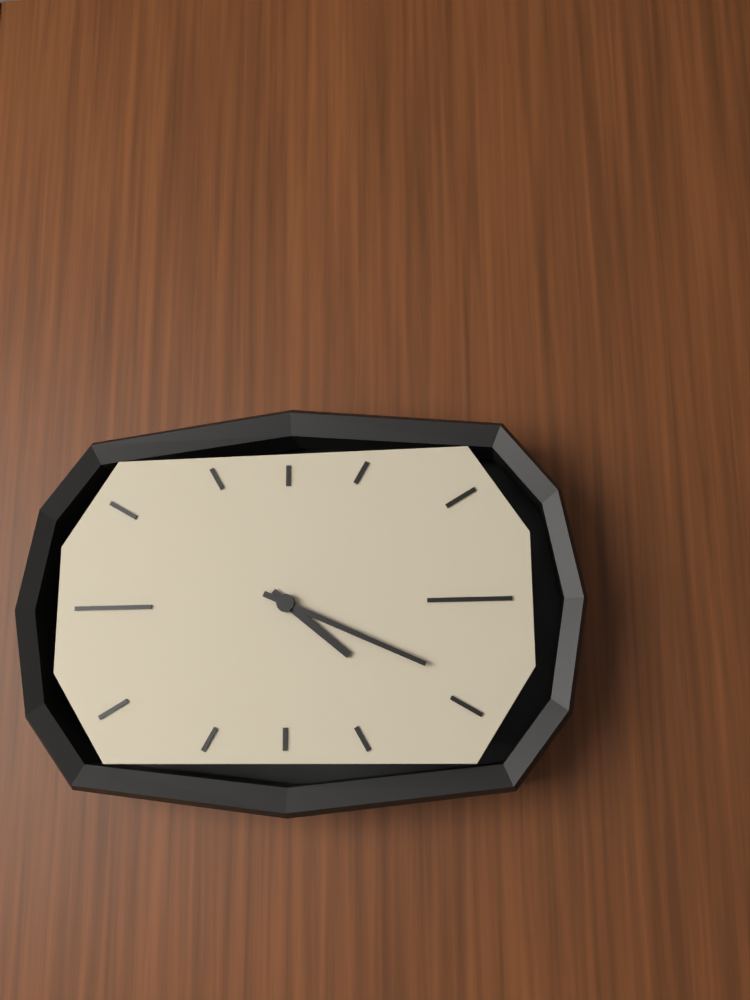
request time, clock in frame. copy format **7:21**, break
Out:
**4:19**
